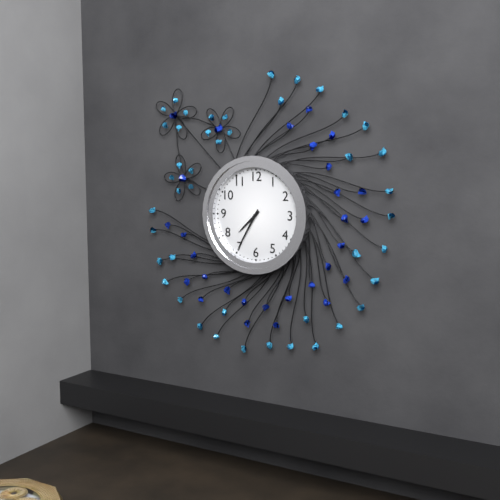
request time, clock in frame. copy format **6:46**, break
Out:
**7:35**
